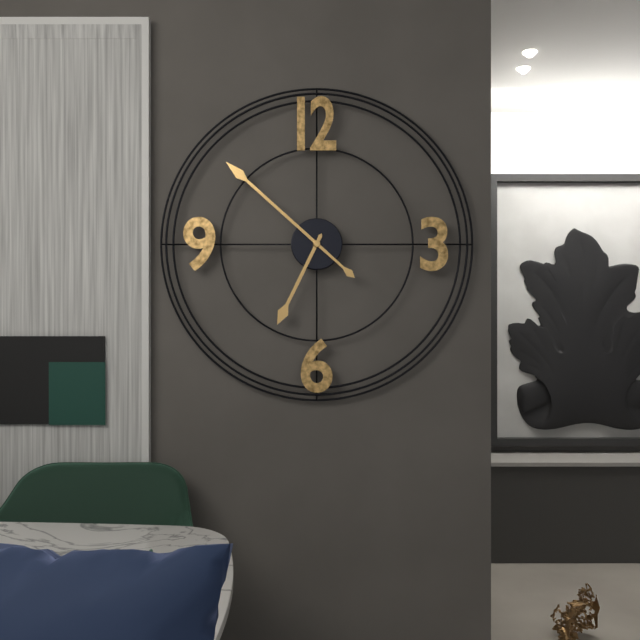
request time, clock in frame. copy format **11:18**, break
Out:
**6:52**
